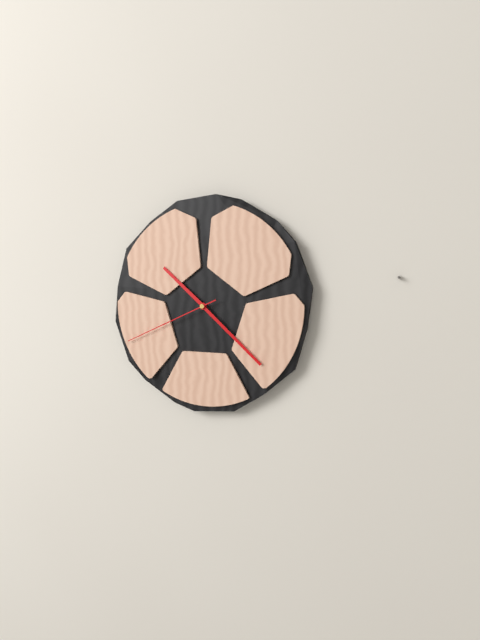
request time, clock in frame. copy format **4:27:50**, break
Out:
**10:22:41**
